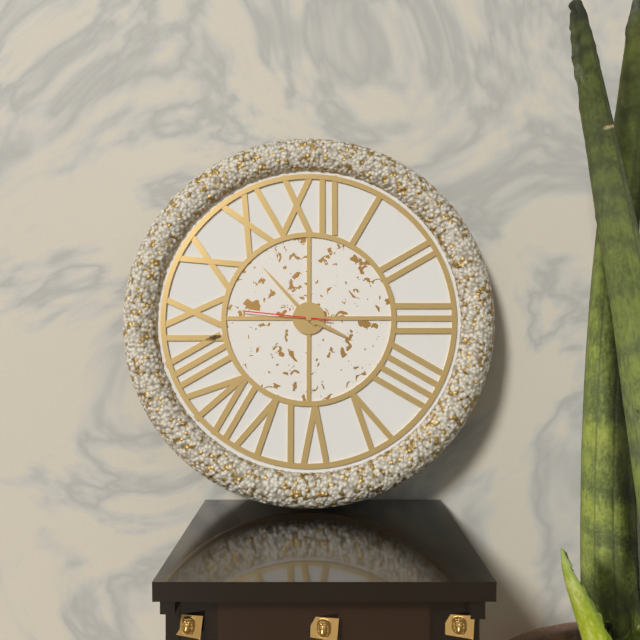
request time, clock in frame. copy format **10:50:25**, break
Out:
**3:53:46**
